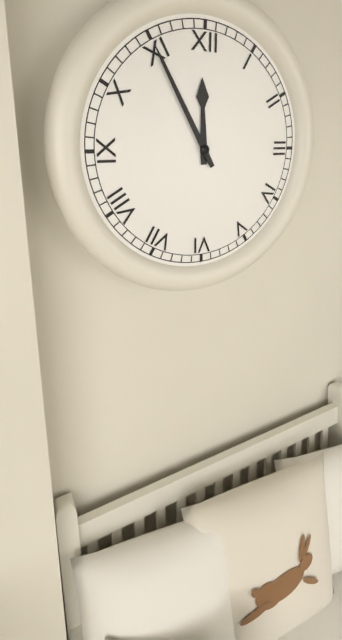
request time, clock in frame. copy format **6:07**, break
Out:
**11:55**
